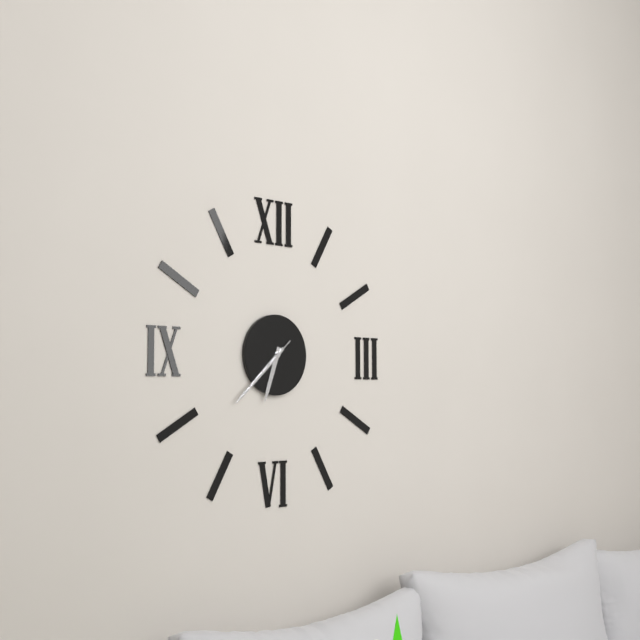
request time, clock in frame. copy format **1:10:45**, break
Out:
**6:38:38**
